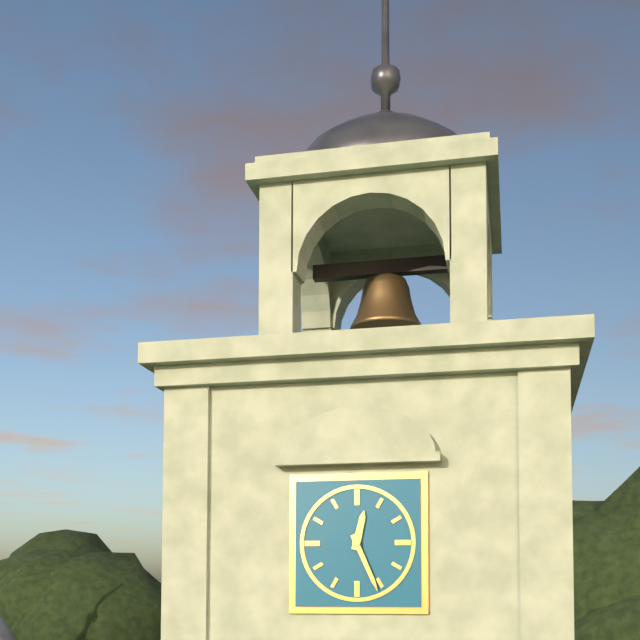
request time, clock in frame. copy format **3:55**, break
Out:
**12:26**
